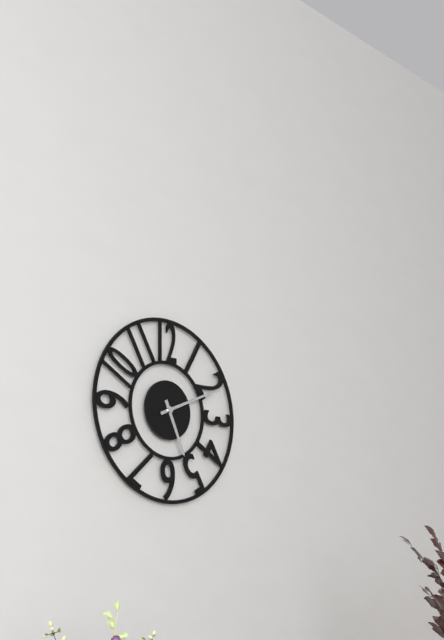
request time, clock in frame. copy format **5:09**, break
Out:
**5:11**
